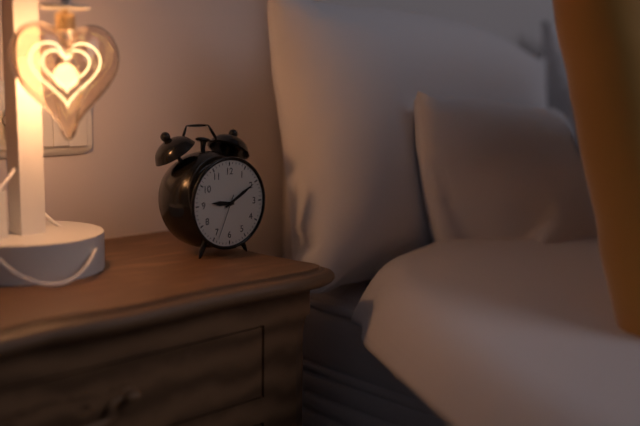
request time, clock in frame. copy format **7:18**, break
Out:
**9:10**
